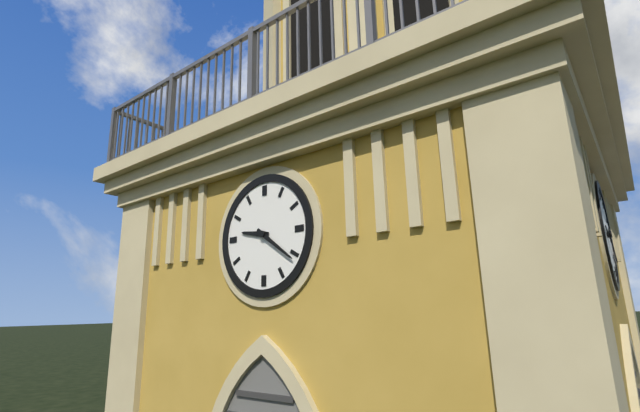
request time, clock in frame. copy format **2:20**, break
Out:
**9:21**
